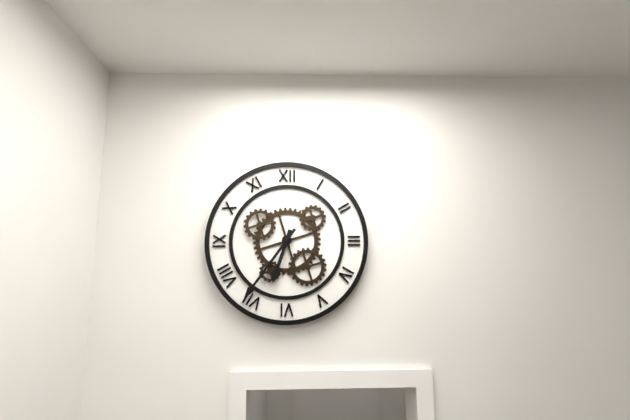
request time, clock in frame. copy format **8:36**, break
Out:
**6:36**
